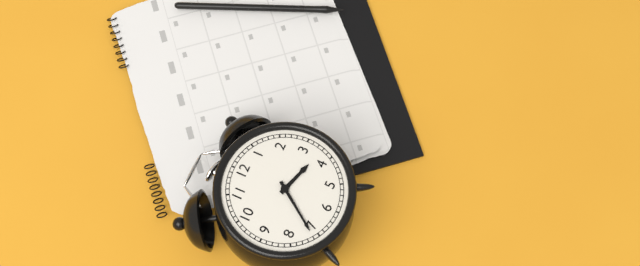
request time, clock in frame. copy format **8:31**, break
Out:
**3:36**
